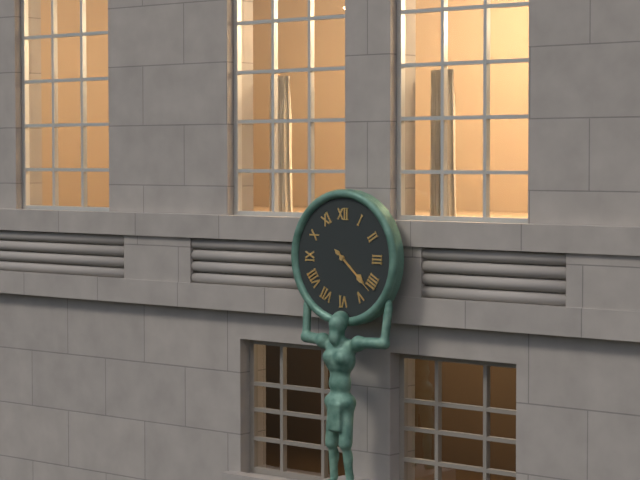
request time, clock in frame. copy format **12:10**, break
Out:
**4:22**
